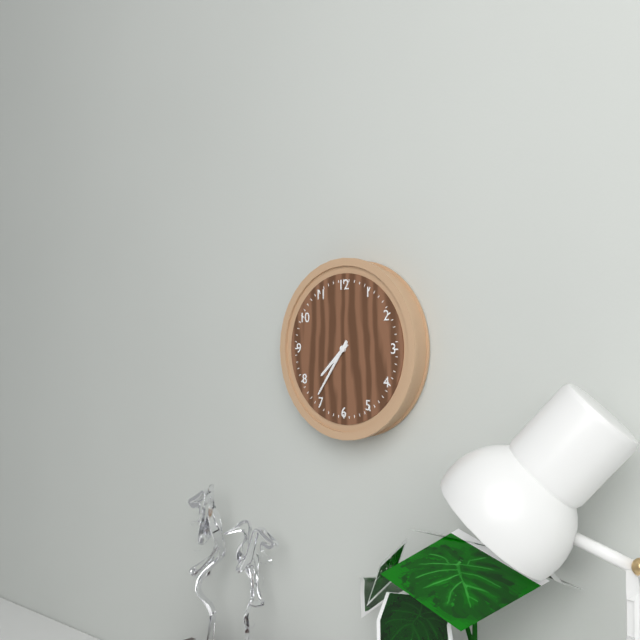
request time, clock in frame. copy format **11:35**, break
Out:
**7:36**
